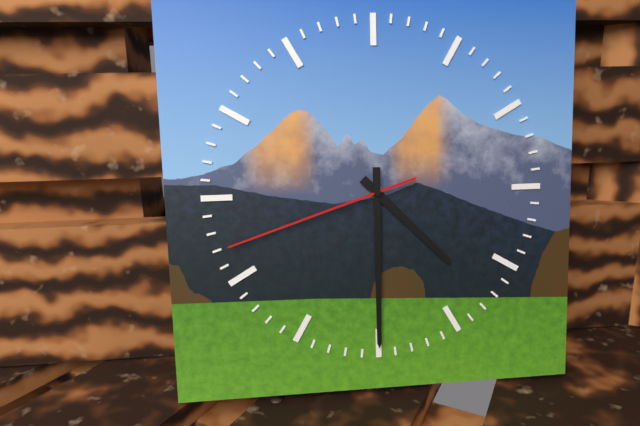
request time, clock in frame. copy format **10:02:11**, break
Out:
**4:30:42**
